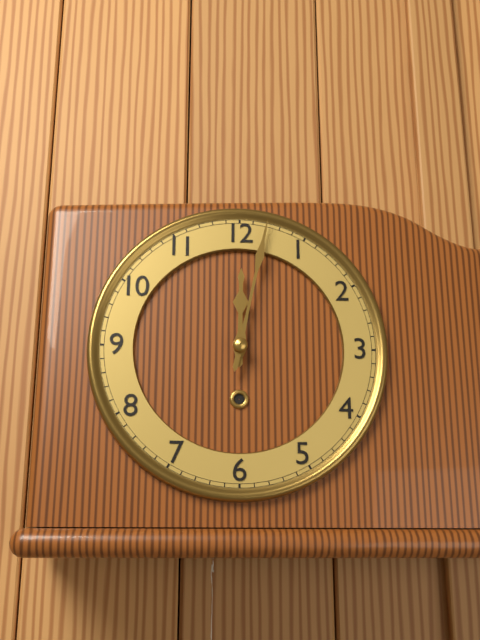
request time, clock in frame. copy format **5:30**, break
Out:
**12:02**
